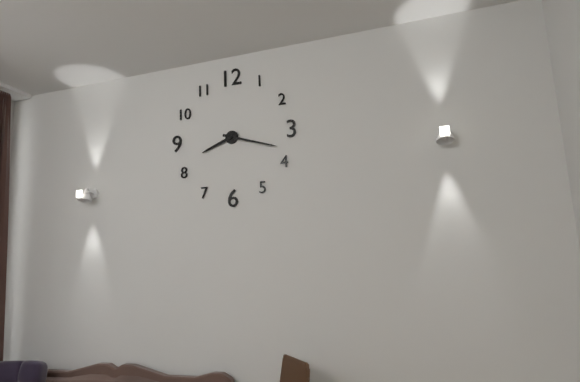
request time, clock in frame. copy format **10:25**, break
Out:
**8:18**
